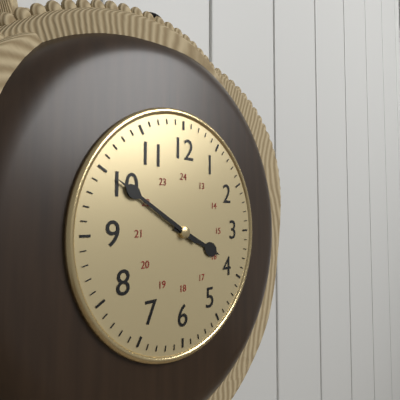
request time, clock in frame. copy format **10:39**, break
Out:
**3:50**
